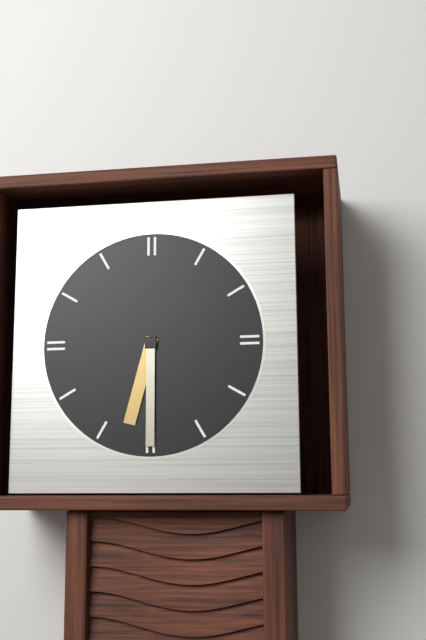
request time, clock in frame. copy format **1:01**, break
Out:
**6:30**
